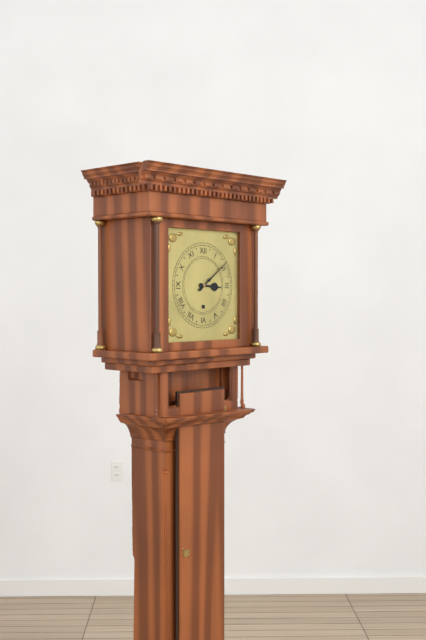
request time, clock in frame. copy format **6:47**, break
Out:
**3:09**
